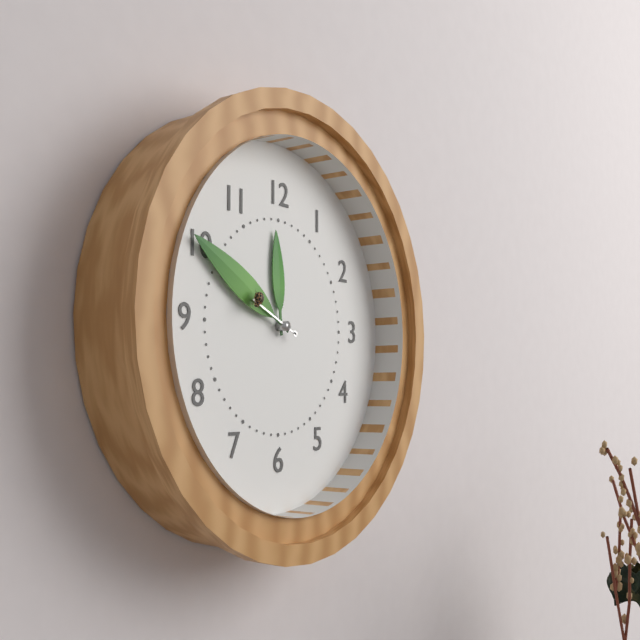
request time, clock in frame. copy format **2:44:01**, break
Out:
**11:50:49**
